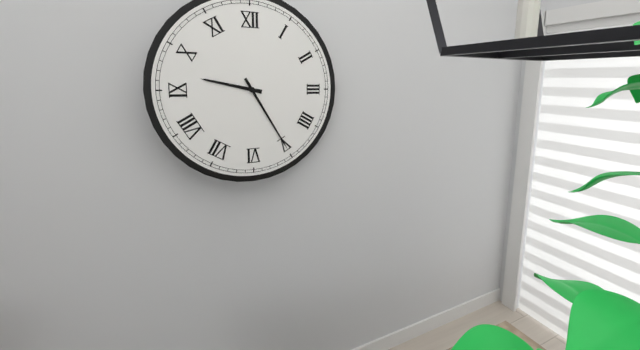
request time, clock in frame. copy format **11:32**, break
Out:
**9:25**
